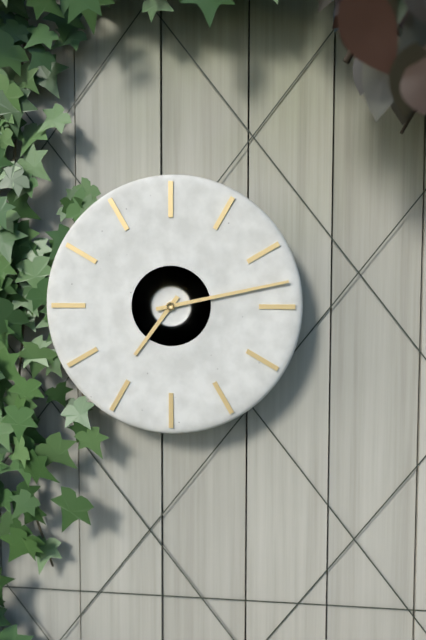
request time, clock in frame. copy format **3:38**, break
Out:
**7:13**
